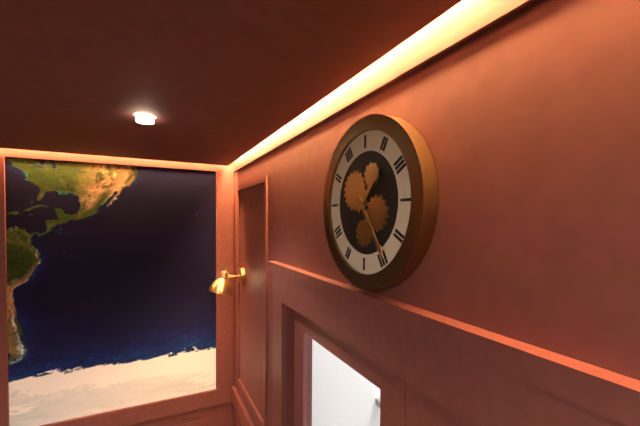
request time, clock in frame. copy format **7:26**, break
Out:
**1:24**
